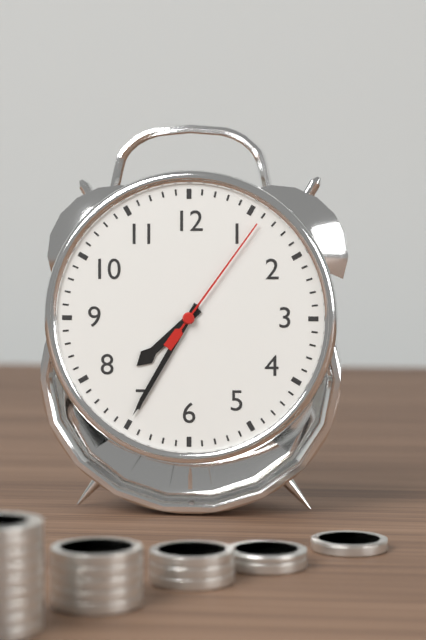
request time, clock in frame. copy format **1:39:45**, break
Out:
**7:35:06**
